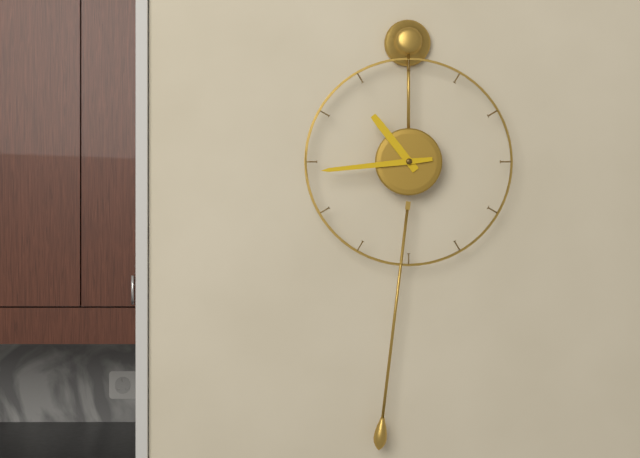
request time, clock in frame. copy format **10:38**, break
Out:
**10:44**
